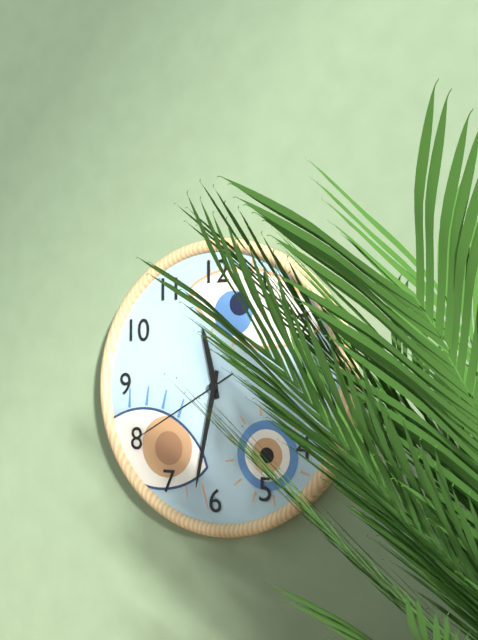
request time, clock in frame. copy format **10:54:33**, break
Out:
**11:32:40**
